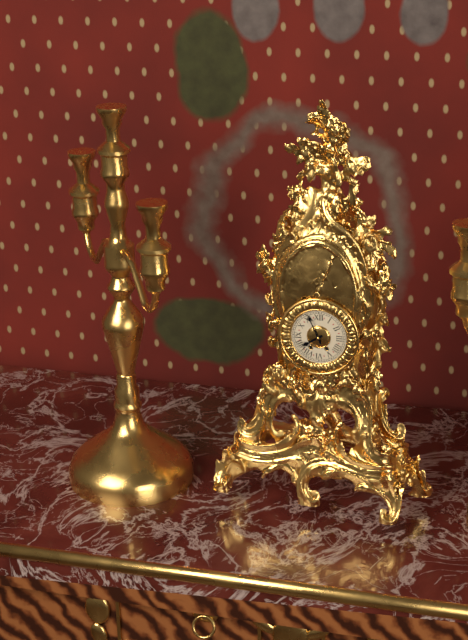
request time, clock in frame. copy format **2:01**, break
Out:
**7:56**
